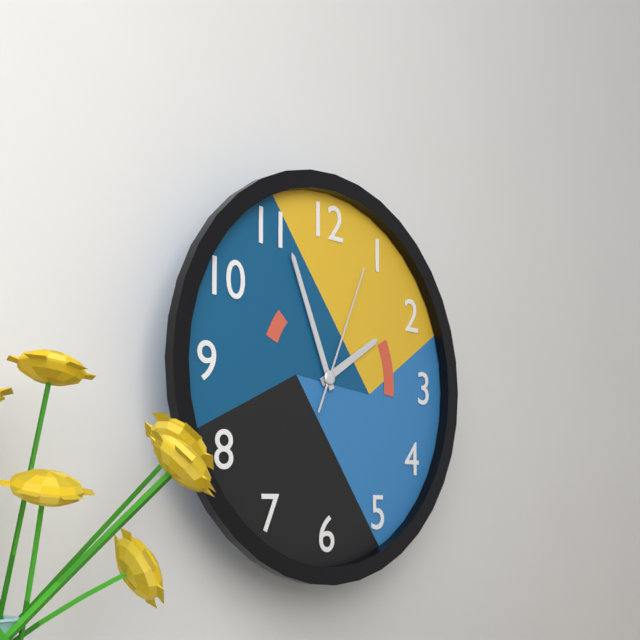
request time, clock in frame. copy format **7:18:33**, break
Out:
**1:56:04**
